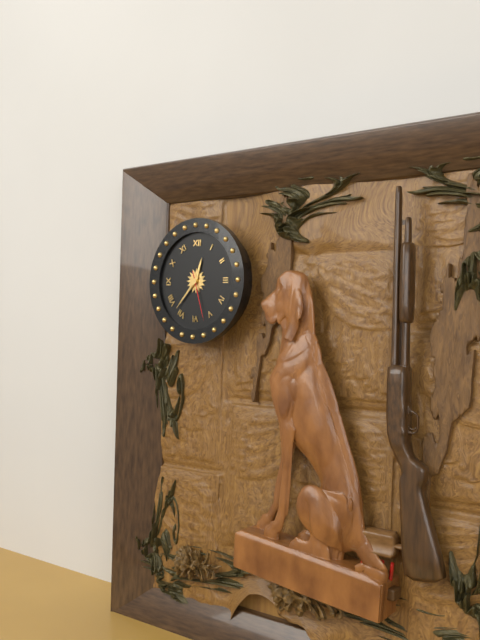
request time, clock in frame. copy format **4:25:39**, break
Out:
**12:37:27**
